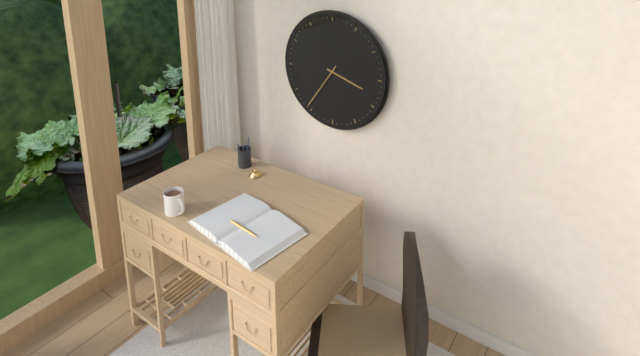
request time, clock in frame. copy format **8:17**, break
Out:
**3:36**
